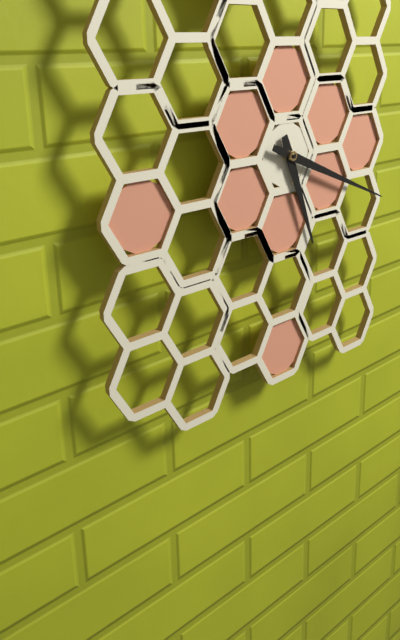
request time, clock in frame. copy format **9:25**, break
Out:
**5:19**
